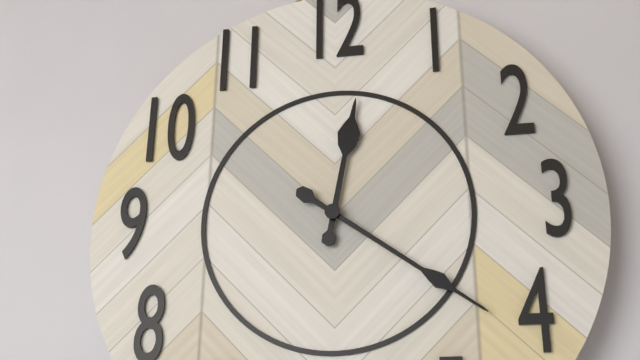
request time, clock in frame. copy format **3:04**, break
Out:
**12:21**
